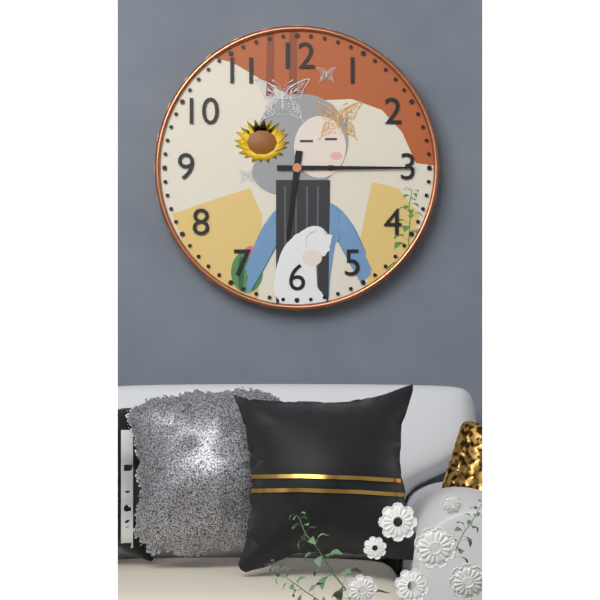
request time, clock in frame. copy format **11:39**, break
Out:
**6:15**
